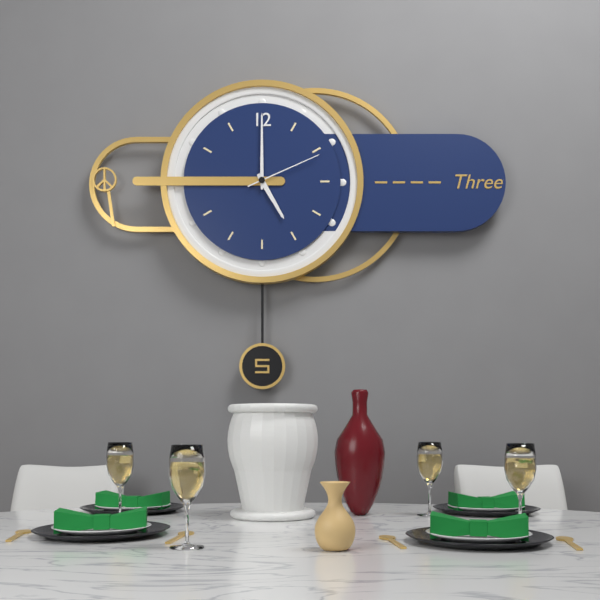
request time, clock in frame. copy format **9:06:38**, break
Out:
**5:00:11**
